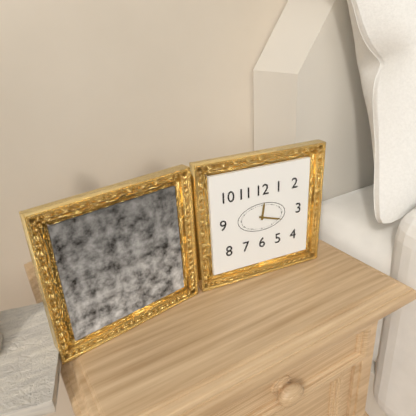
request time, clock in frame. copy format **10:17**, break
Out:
**12:18**
